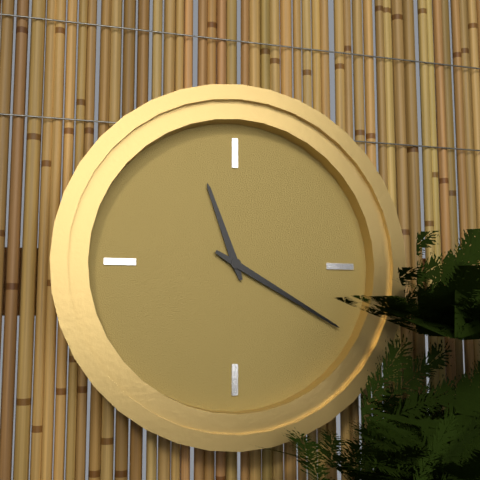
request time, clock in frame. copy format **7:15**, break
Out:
**11:20**
